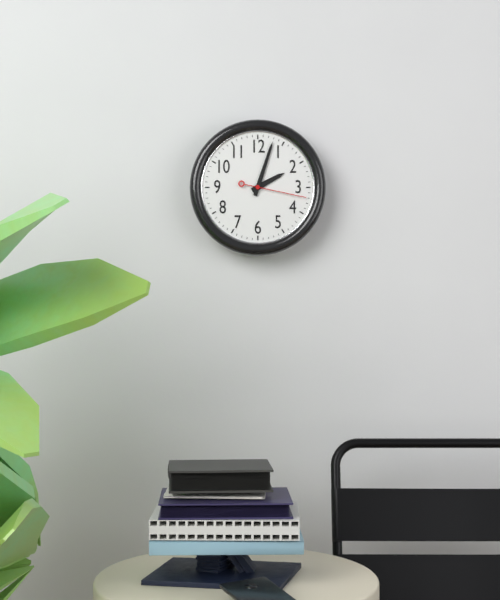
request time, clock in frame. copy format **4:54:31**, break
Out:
**2:03:17**
